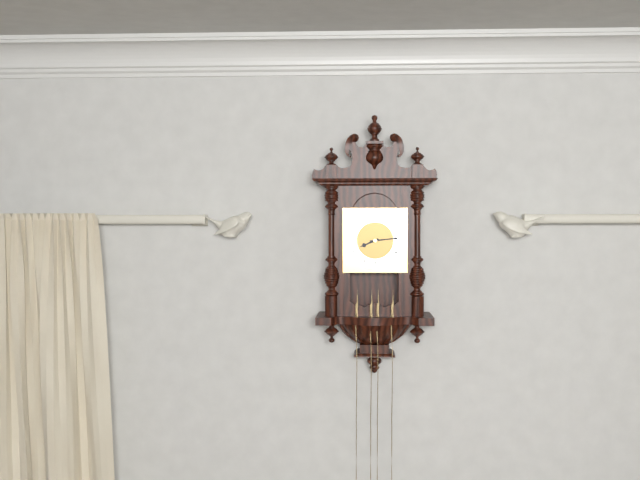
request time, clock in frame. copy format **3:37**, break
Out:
**8:14**
